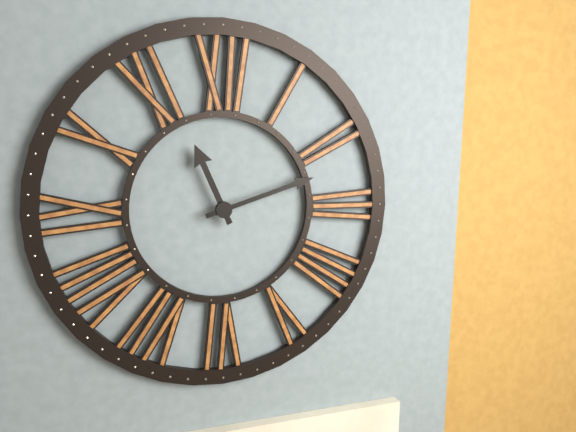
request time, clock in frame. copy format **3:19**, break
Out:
**11:12**
